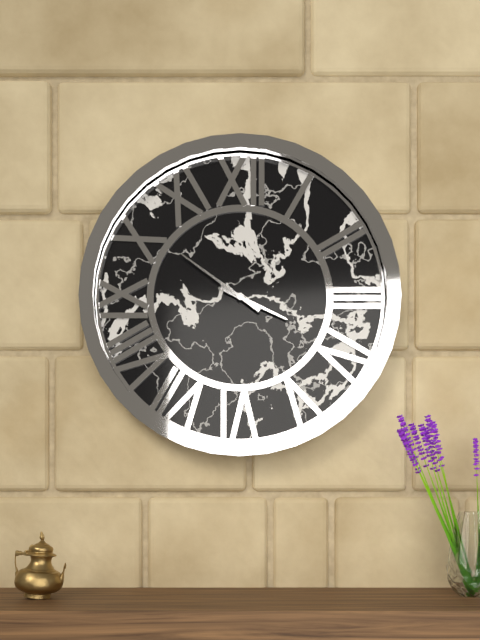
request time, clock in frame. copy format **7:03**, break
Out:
**3:51**
